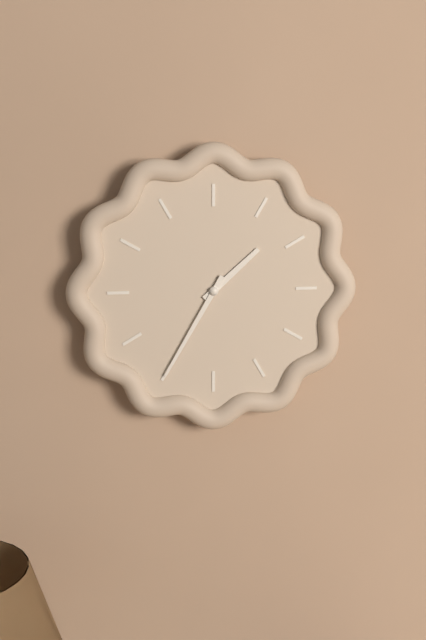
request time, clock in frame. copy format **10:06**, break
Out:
**1:35**
